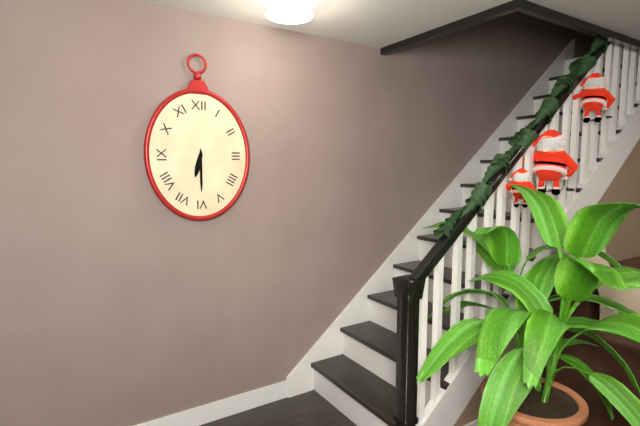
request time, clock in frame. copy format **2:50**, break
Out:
**6:30**
